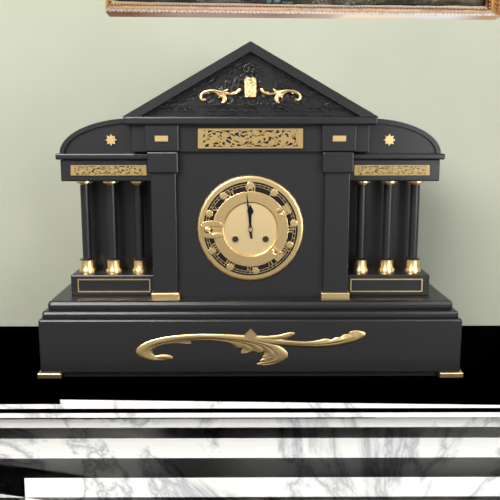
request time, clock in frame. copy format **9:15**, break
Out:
**11:59**
